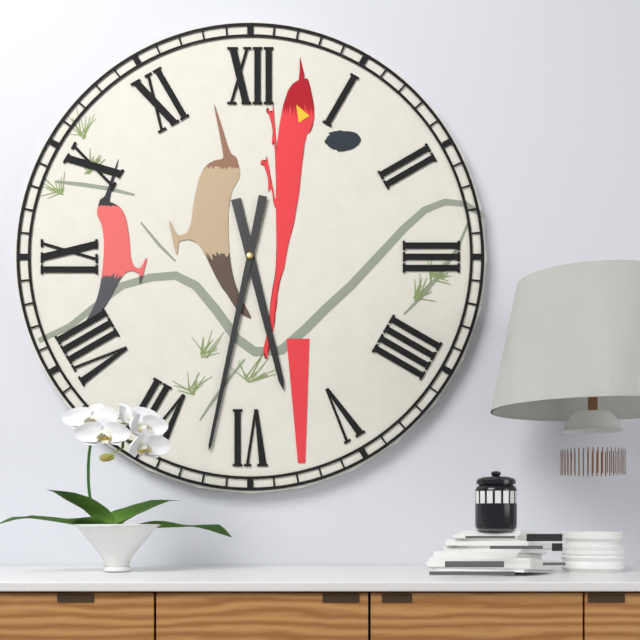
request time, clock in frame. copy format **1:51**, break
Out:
**5:32**
